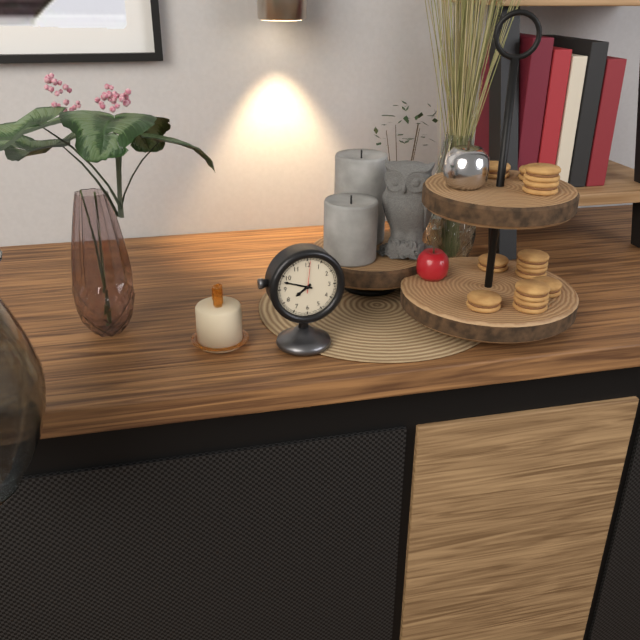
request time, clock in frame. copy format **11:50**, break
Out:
**7:48**
